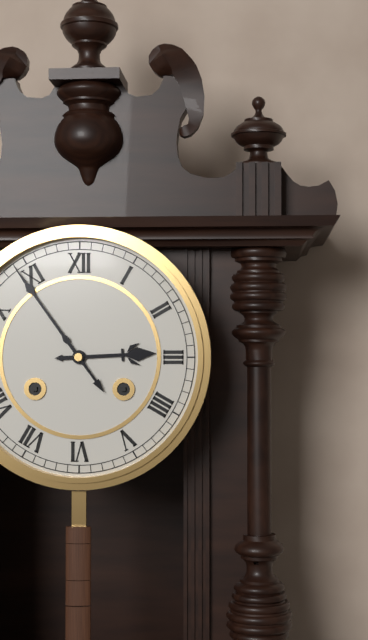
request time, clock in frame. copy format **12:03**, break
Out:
**2:54**
